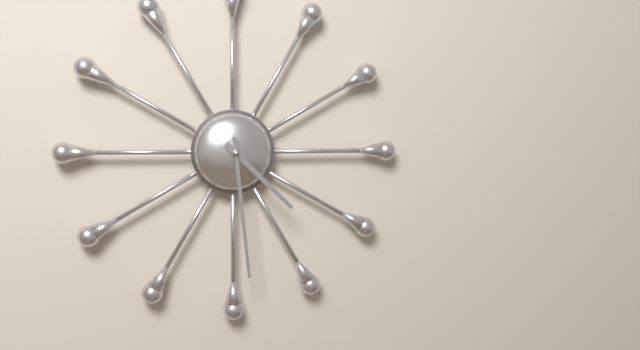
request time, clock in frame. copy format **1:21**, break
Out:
**4:29**
